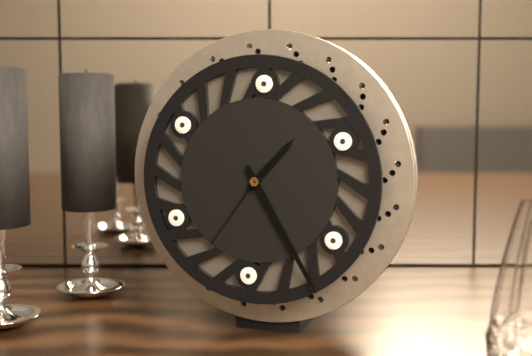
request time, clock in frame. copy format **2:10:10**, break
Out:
**1:25:36**
